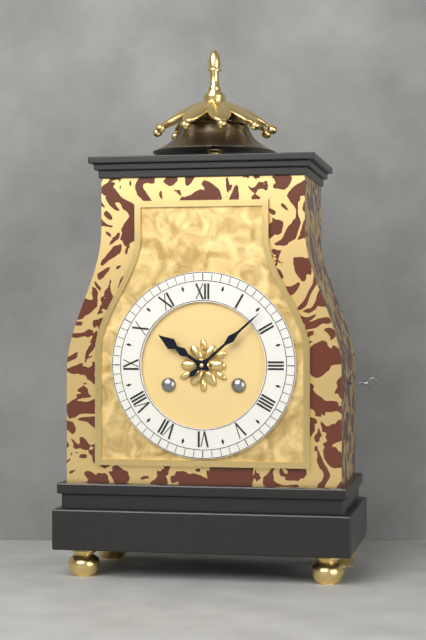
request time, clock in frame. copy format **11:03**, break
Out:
**10:08**
